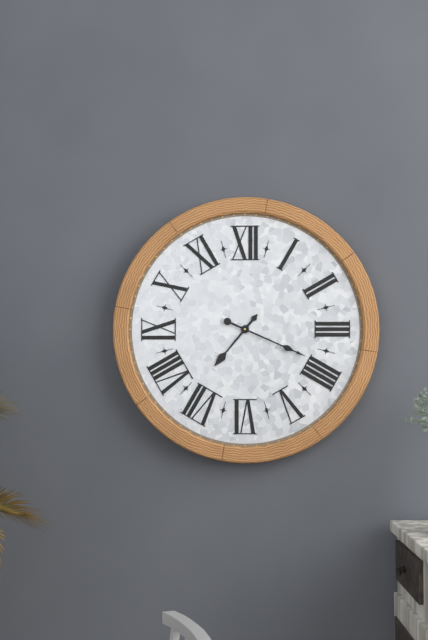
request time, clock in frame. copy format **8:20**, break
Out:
**7:19**
